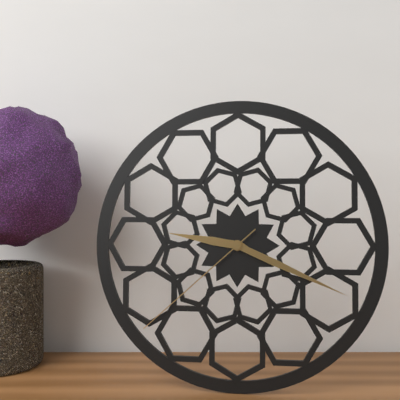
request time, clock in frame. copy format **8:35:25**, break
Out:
**9:19:38**
